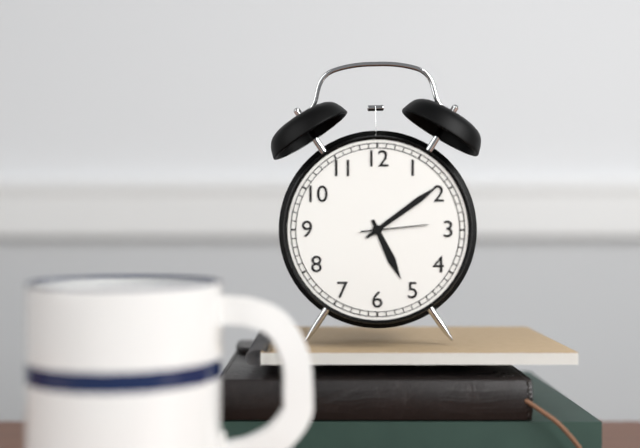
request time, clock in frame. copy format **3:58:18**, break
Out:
**5:09:14**
